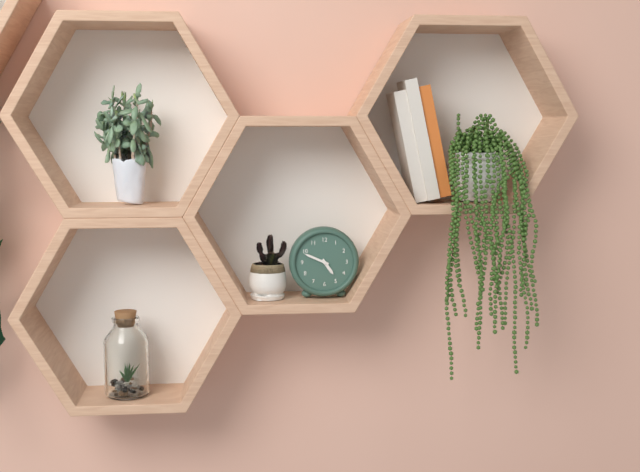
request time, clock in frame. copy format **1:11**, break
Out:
**4:49**
